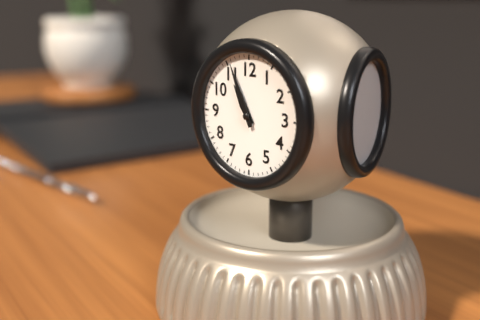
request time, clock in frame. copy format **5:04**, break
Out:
**10:56**
